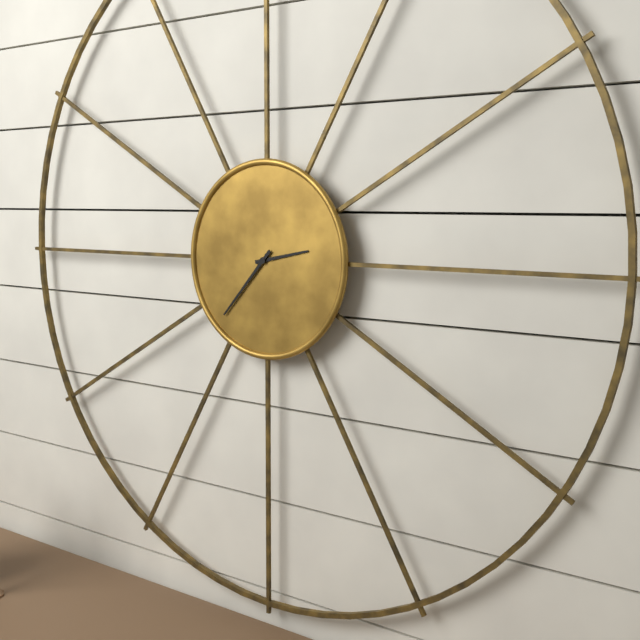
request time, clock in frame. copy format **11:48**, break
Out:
**2:37**
